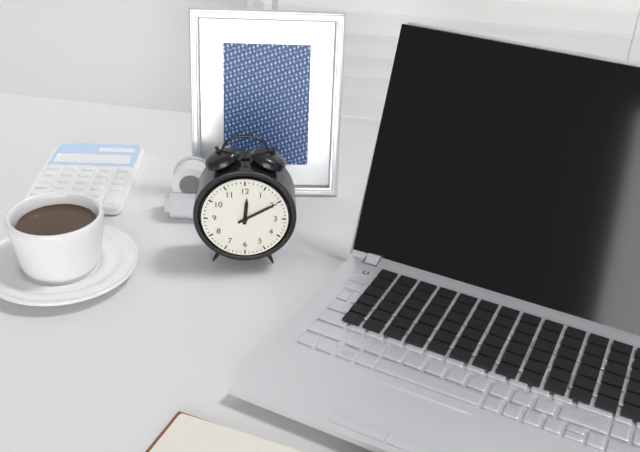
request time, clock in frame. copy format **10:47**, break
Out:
**12:10**
